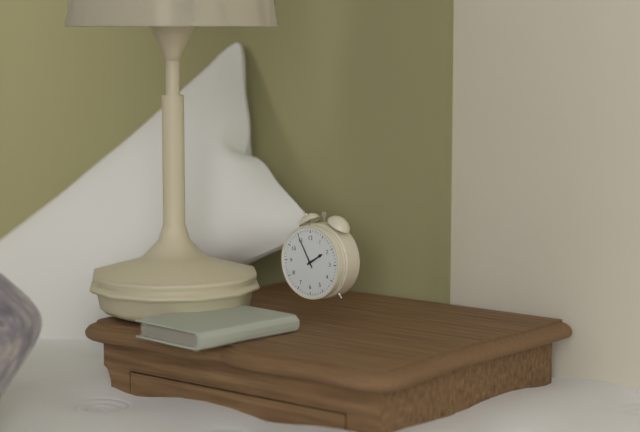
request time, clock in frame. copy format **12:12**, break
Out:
**1:55**
